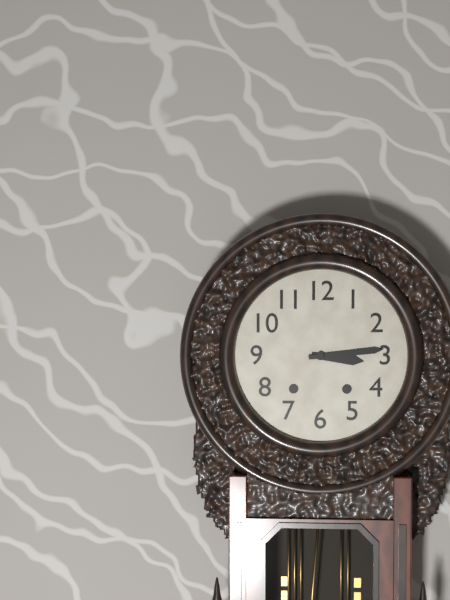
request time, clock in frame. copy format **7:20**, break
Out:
**3:14**
